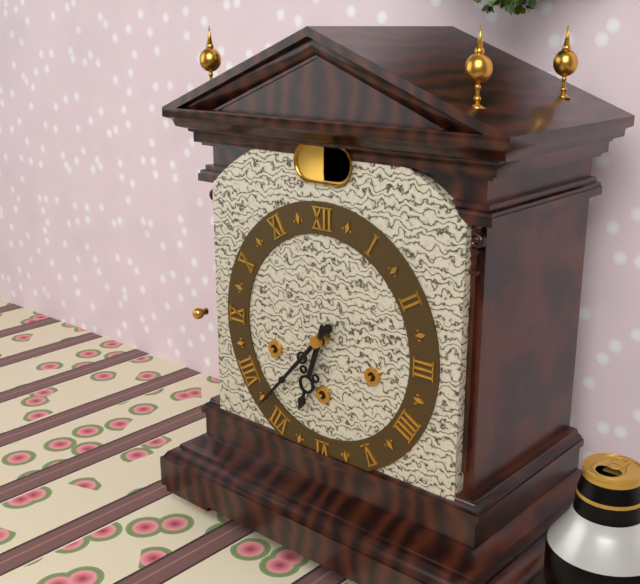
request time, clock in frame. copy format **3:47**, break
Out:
**6:37**
